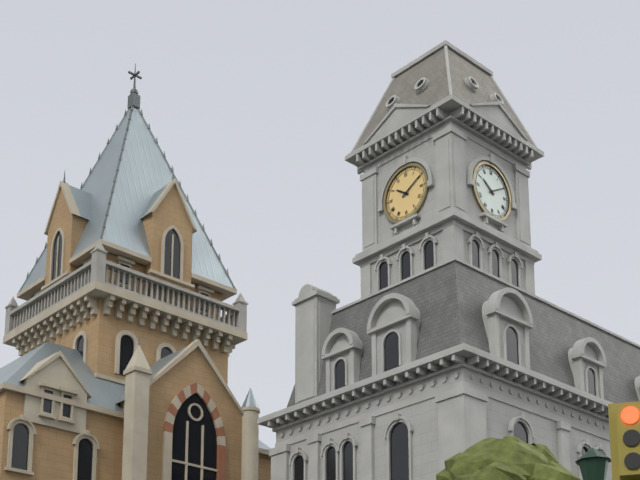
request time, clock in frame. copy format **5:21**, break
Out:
**10:10**
